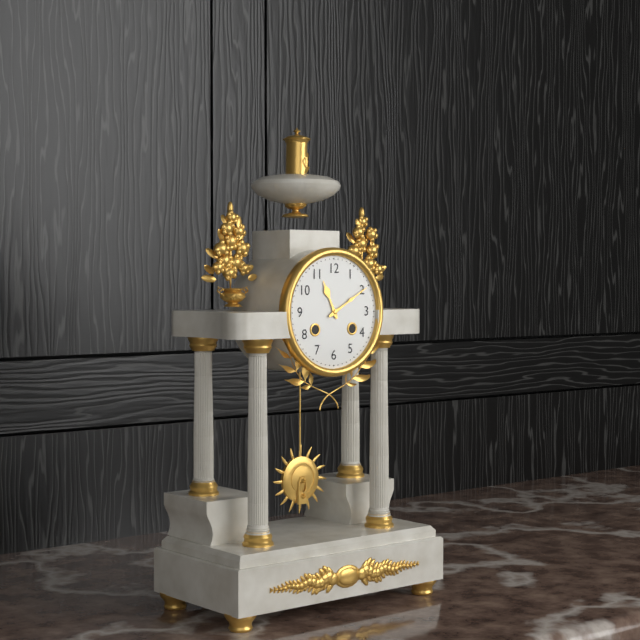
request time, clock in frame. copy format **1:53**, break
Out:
**11:10**
